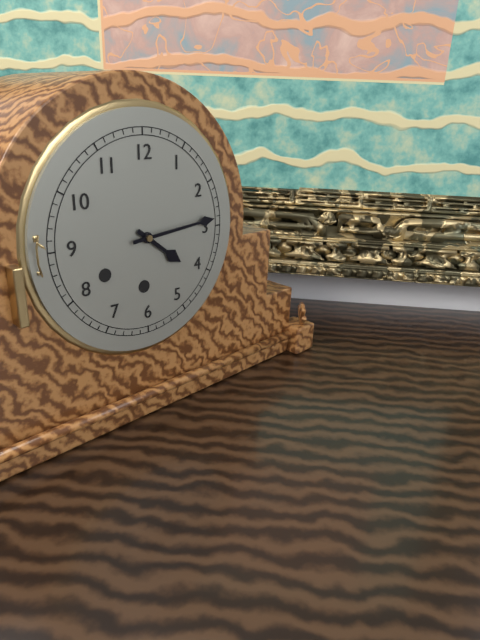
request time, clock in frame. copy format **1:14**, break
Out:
**4:14**
